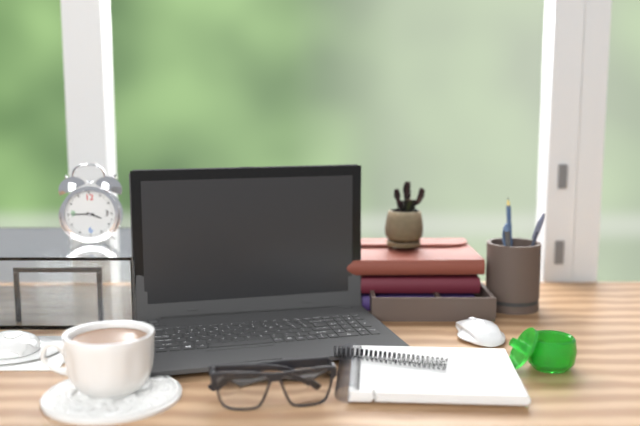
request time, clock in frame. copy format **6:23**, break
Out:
**3:45**
